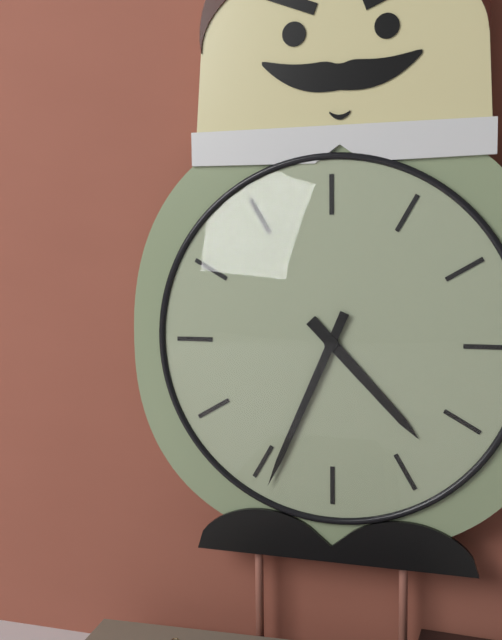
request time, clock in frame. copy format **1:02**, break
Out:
**4:34**
